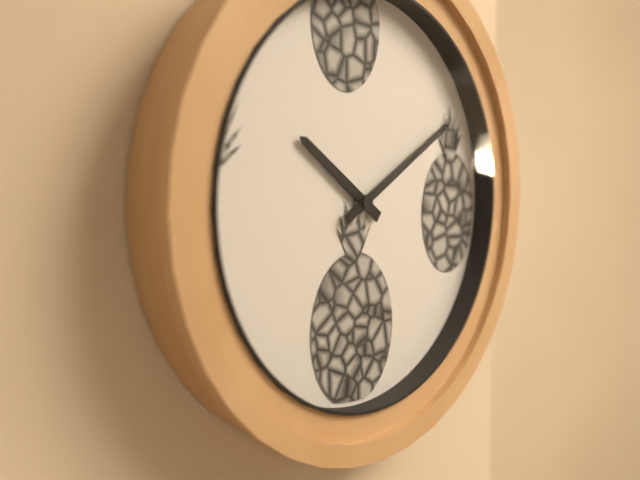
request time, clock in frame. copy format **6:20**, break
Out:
**10:10**
